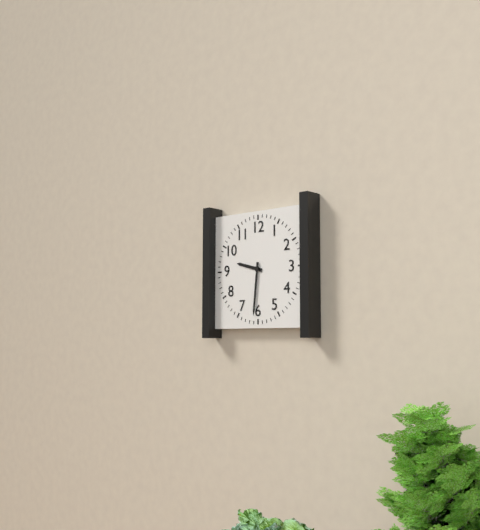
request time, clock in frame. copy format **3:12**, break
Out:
**9:31**
